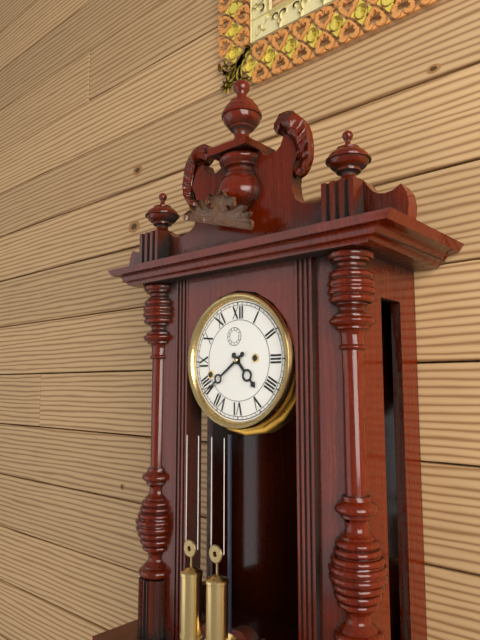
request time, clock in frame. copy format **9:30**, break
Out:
**4:39**
